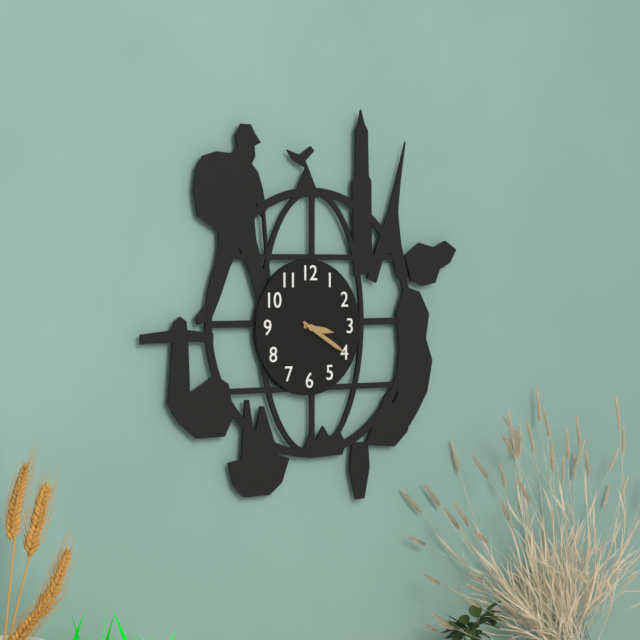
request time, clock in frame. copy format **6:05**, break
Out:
**3:20**
